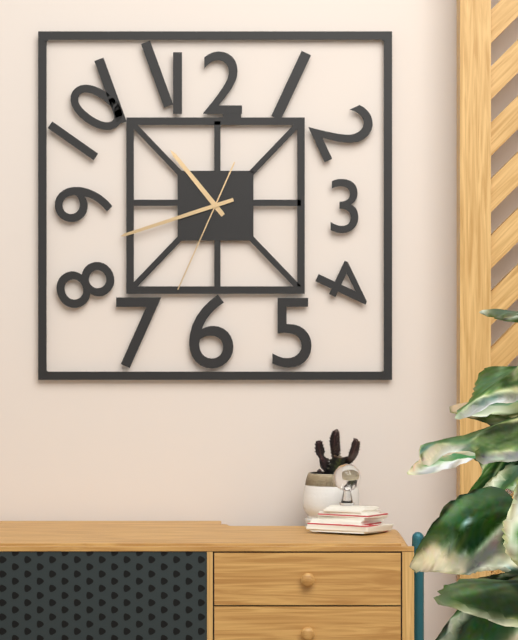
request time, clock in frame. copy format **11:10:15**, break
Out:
**10:42:34**
